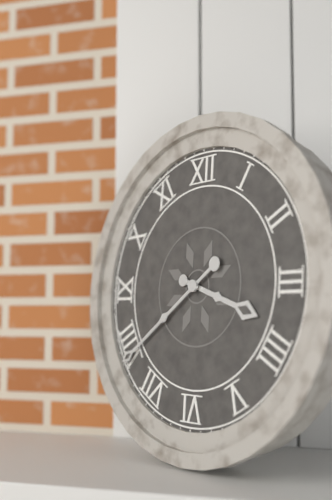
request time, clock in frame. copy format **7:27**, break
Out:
**3:39**
